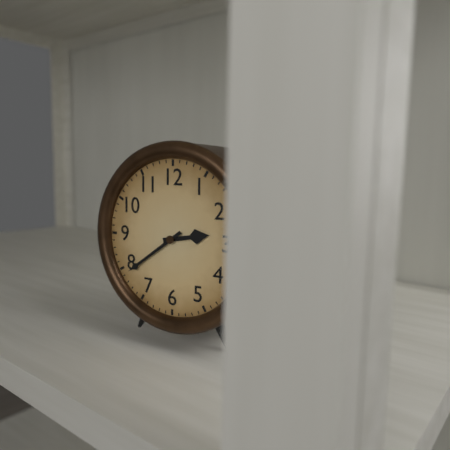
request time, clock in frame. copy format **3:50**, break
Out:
**2:39**
